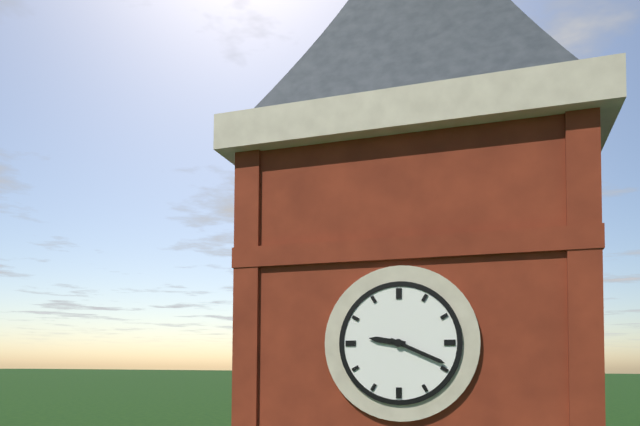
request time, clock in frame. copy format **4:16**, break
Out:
**9:19**
